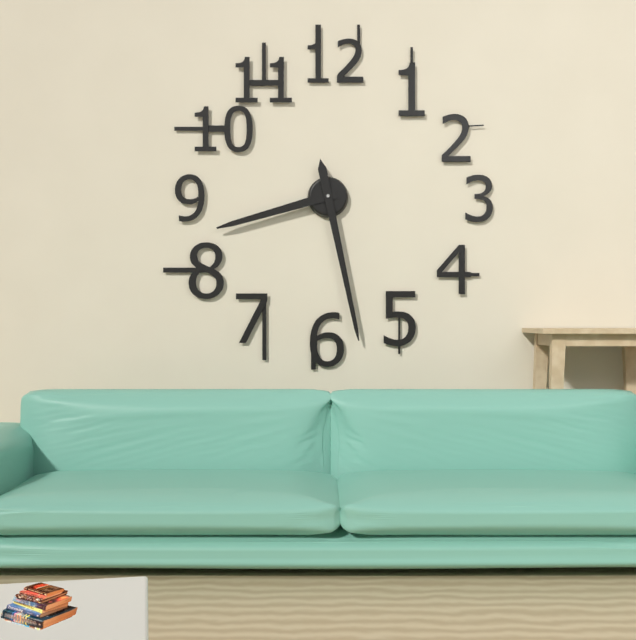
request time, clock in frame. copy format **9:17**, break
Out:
**8:28**
